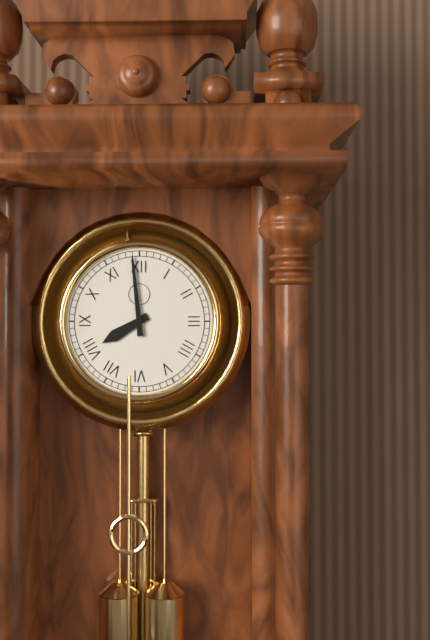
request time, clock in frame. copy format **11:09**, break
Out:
**7:59**
